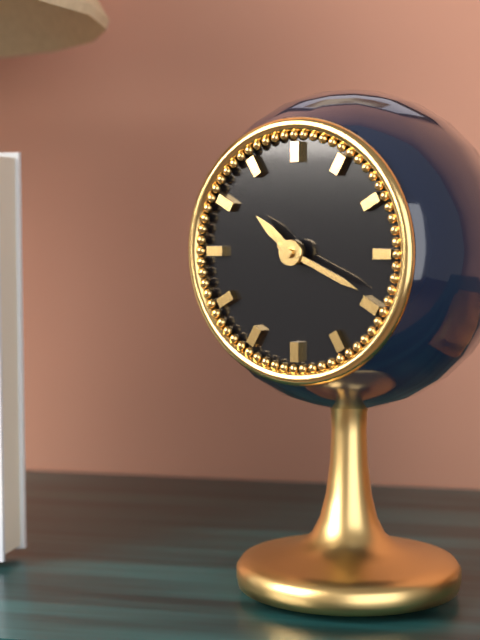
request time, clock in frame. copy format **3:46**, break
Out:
**10:19**
